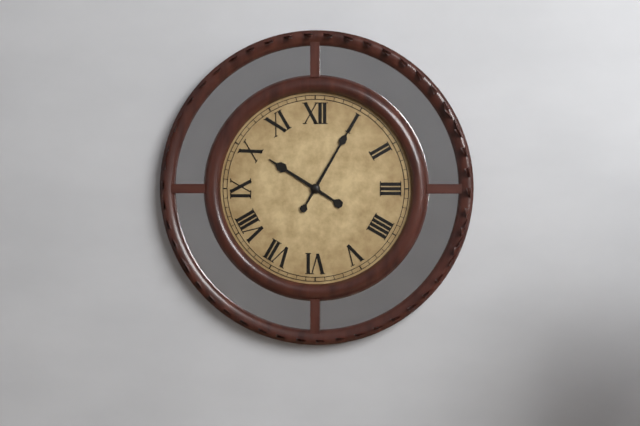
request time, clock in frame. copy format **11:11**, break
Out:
**10:05**
